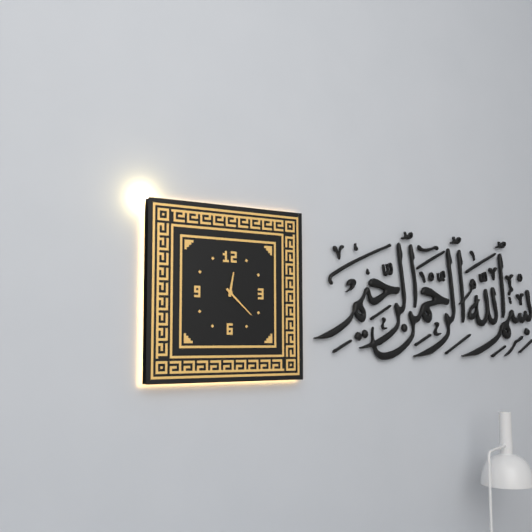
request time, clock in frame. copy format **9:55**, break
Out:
**12:22**
